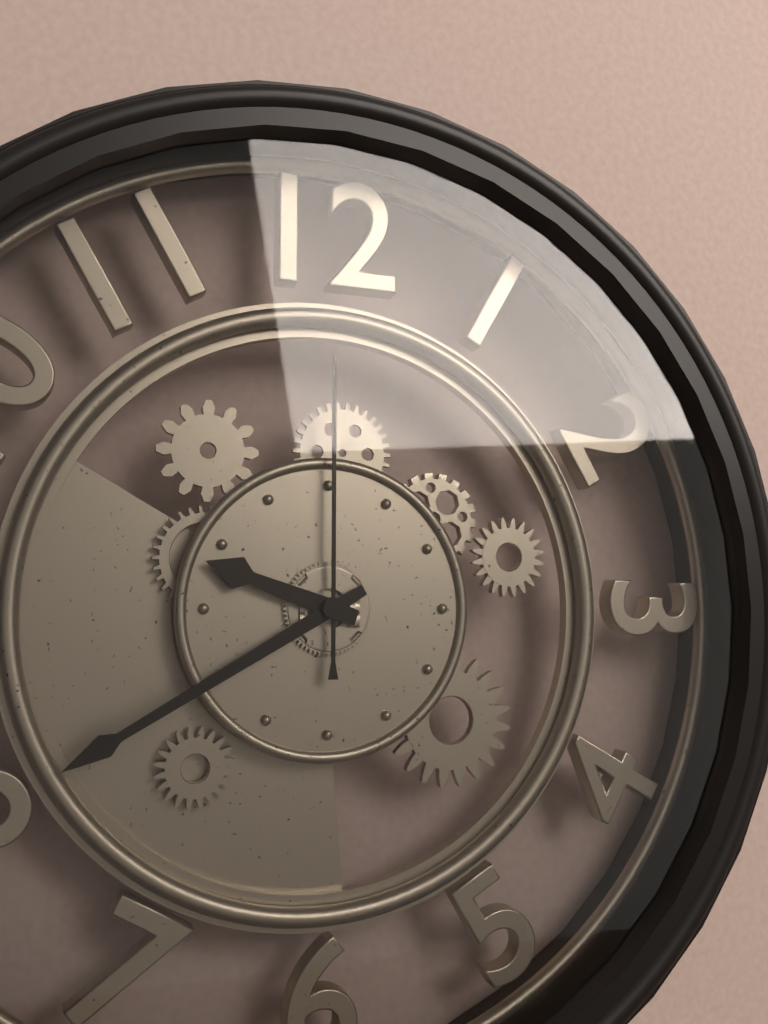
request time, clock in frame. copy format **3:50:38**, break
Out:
**9:40:00**
